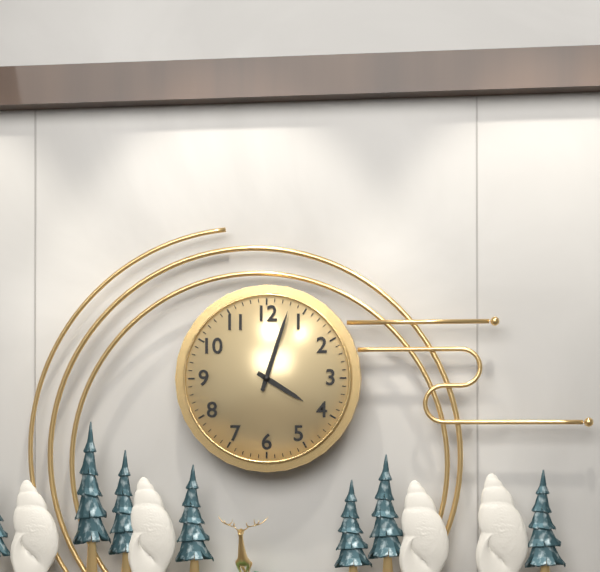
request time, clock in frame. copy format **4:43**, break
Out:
**4:03**
